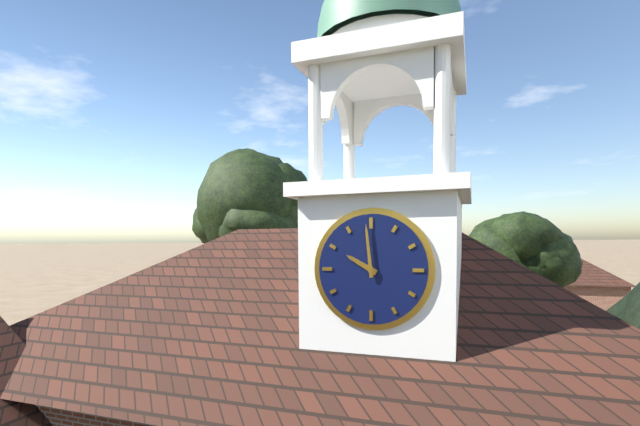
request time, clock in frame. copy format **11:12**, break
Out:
**9:59**
